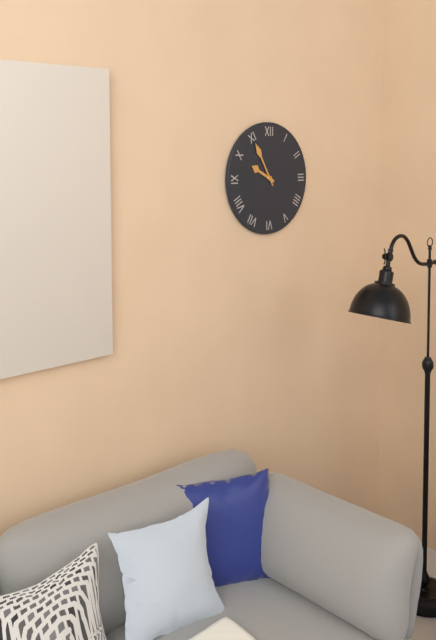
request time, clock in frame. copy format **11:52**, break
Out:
**9:55**
